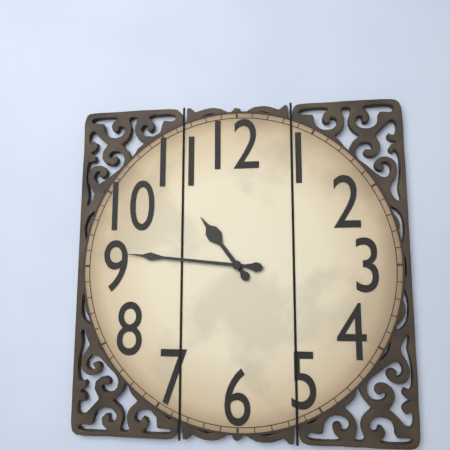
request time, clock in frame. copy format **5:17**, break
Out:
**10:46**
